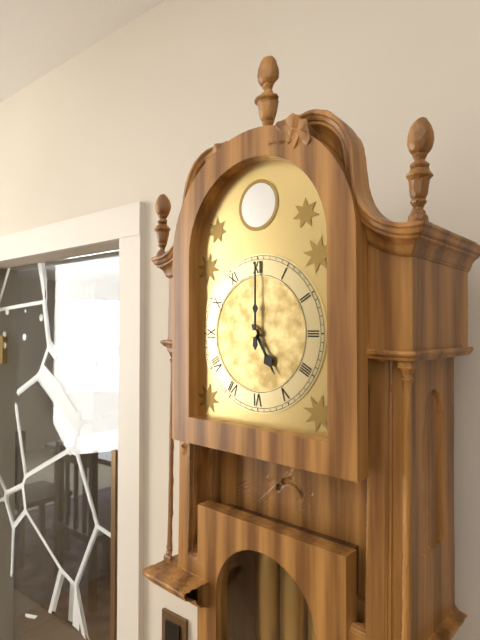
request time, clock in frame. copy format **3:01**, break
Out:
**5:00**
